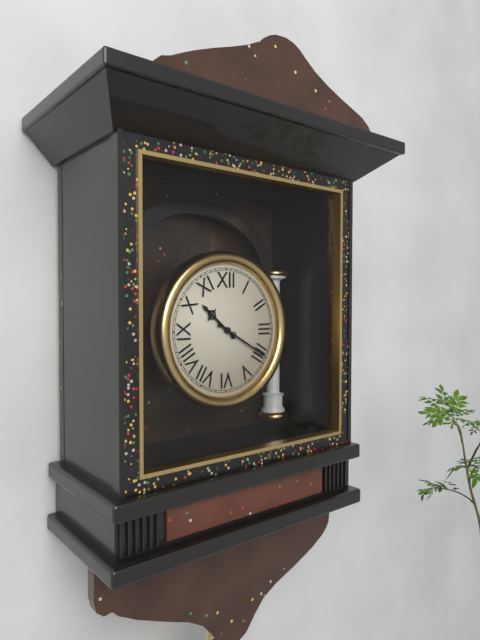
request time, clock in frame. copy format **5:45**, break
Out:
**10:20**
